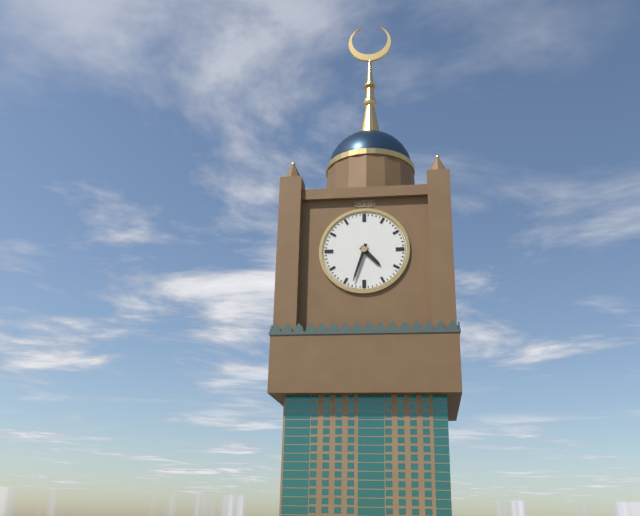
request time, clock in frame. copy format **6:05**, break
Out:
**4:33**
